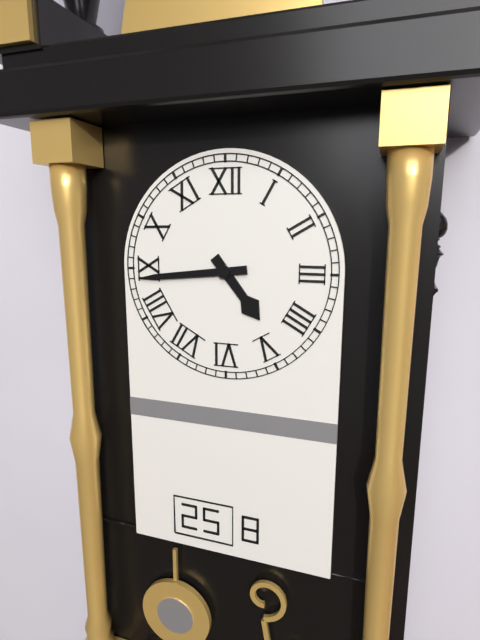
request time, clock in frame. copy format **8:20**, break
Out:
**4:44**
